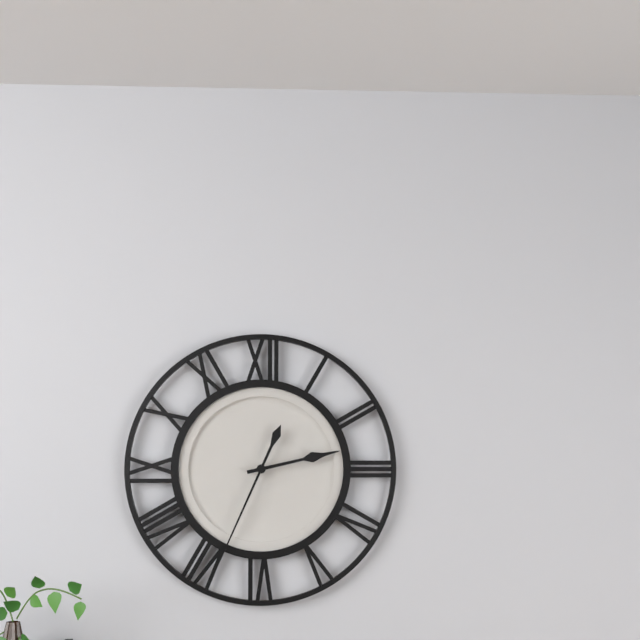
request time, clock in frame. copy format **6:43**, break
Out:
**2:34**
